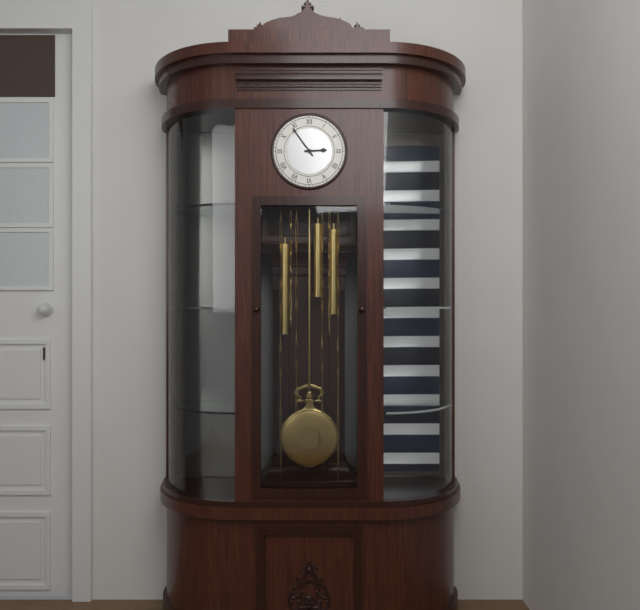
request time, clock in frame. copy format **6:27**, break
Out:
**2:54**
